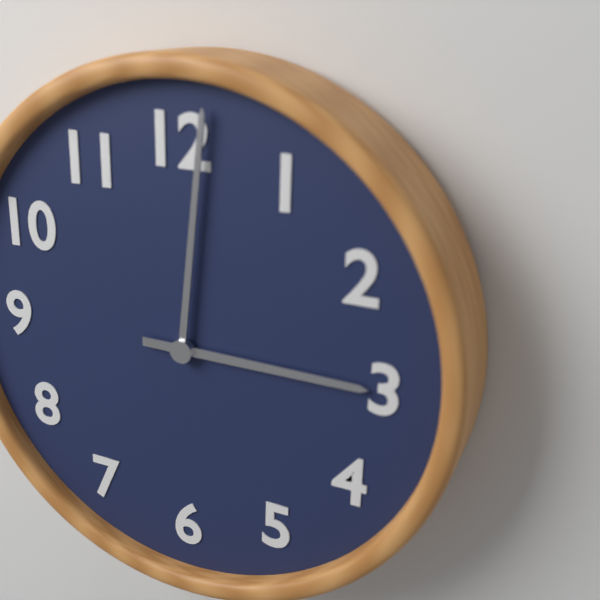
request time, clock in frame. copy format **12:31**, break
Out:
**3:01**
